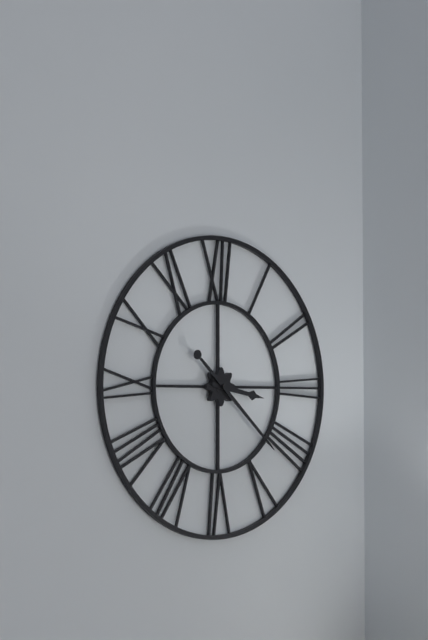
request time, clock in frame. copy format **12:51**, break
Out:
**3:22**
